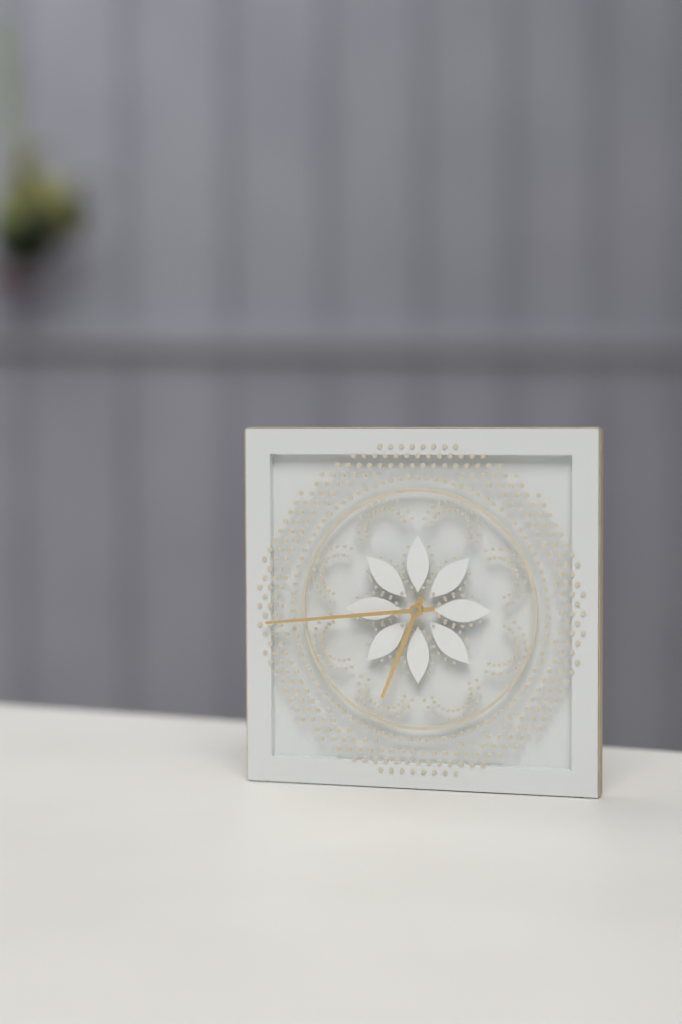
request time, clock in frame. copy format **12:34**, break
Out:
**6:44**
